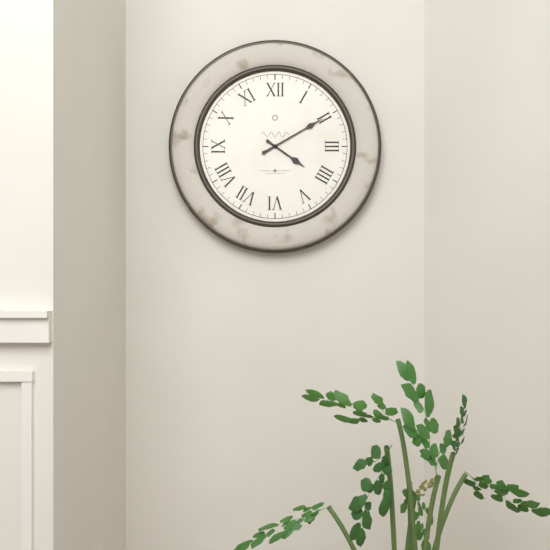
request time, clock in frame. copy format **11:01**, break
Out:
**4:10**
